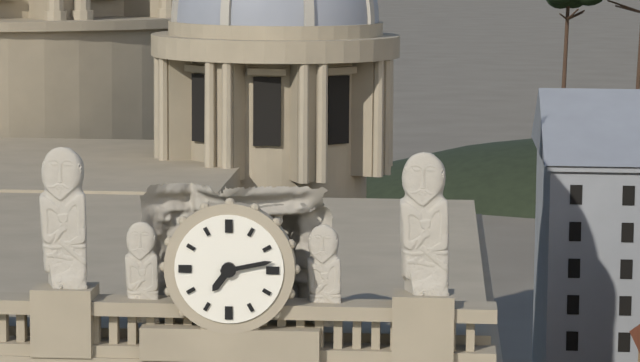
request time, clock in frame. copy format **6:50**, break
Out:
**7:13**
